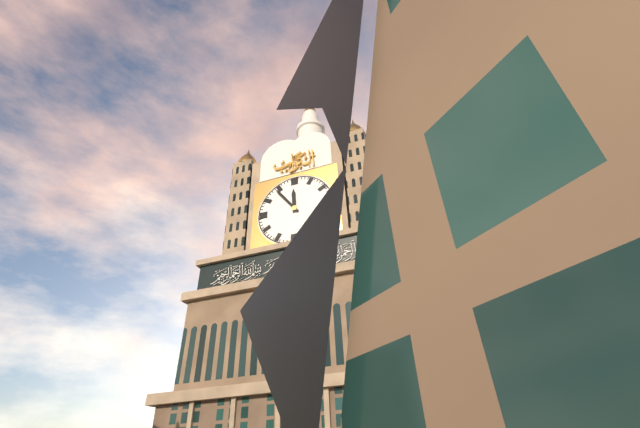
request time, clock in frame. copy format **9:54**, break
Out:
**11:54**
